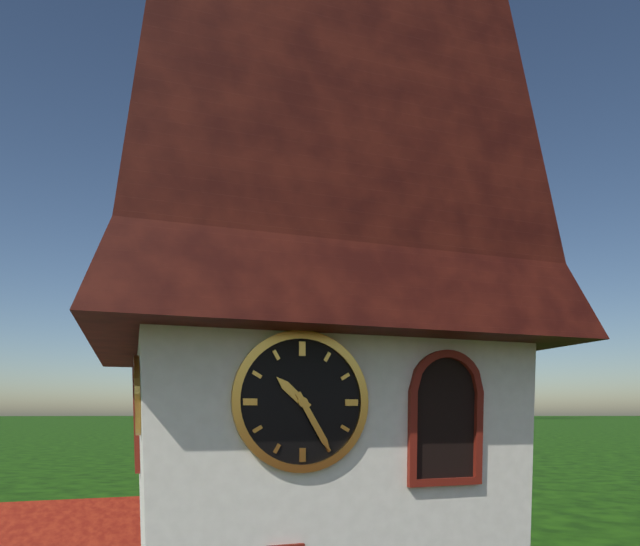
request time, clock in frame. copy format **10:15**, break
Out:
**10:25**
